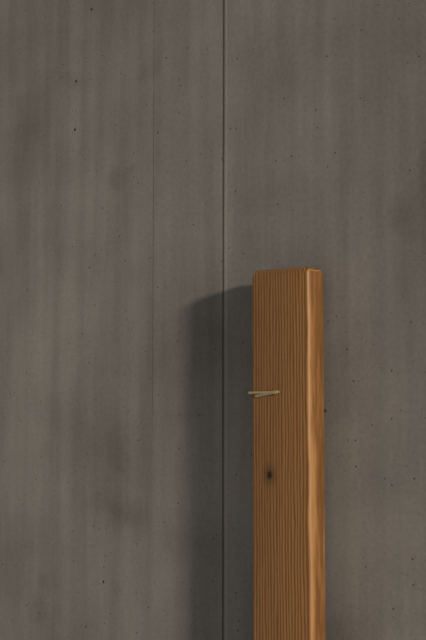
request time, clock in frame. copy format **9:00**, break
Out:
**8:45**
